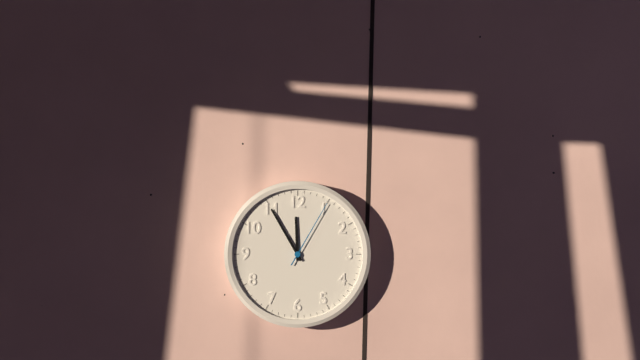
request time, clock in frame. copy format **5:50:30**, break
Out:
**11:55:05**
